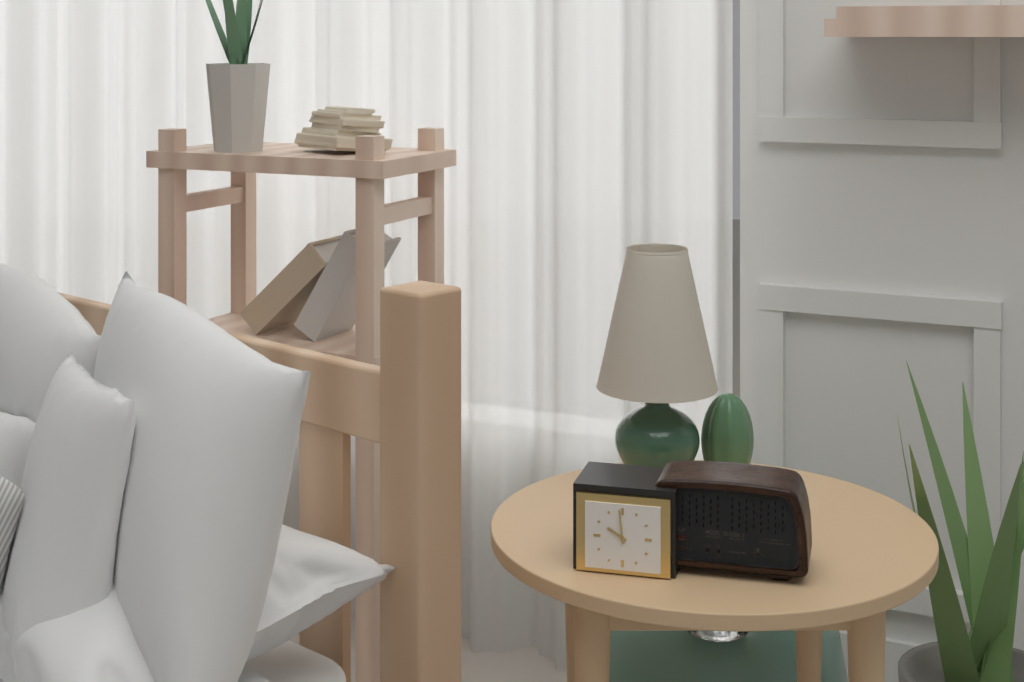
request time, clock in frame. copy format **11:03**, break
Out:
**9:59**
